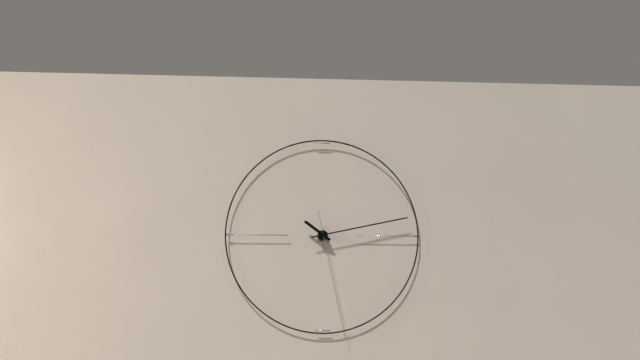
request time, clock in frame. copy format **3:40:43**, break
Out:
**10:13:28**
